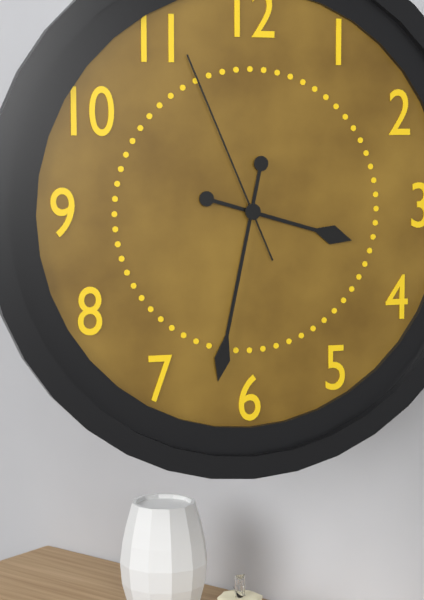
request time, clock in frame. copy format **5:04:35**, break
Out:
**3:32:56**
